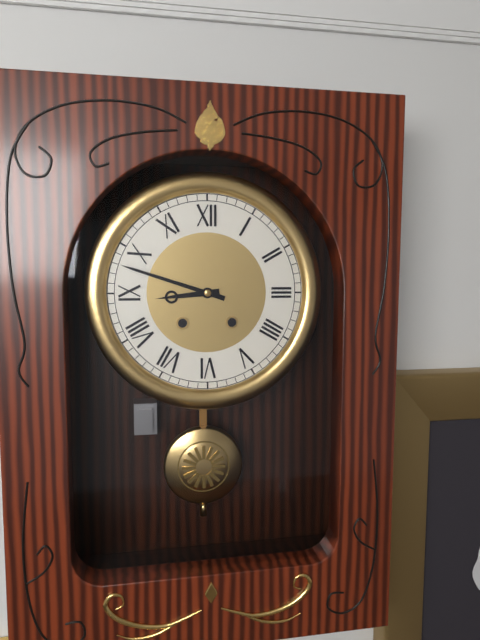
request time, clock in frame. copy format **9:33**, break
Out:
**8:48**
